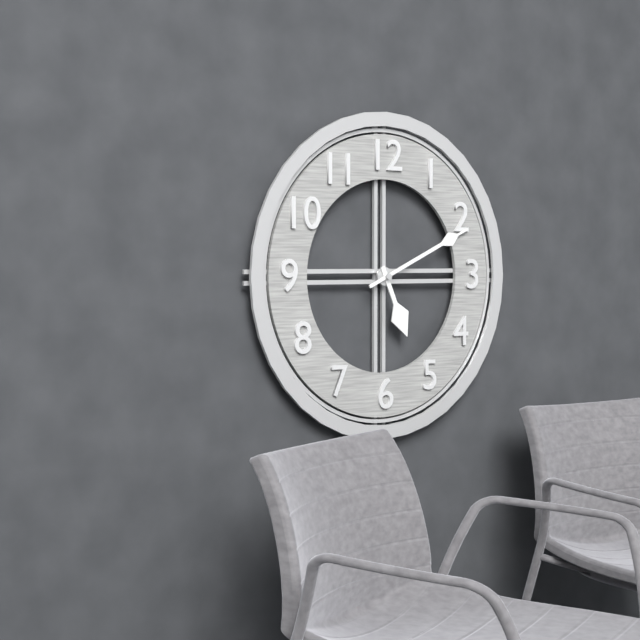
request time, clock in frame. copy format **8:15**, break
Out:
**5:11**
